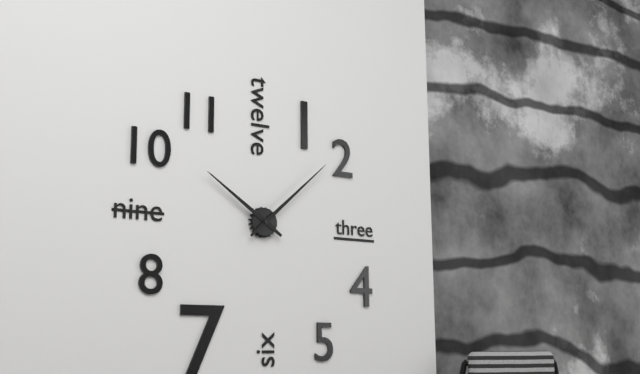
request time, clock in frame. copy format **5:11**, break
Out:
**10:08**
